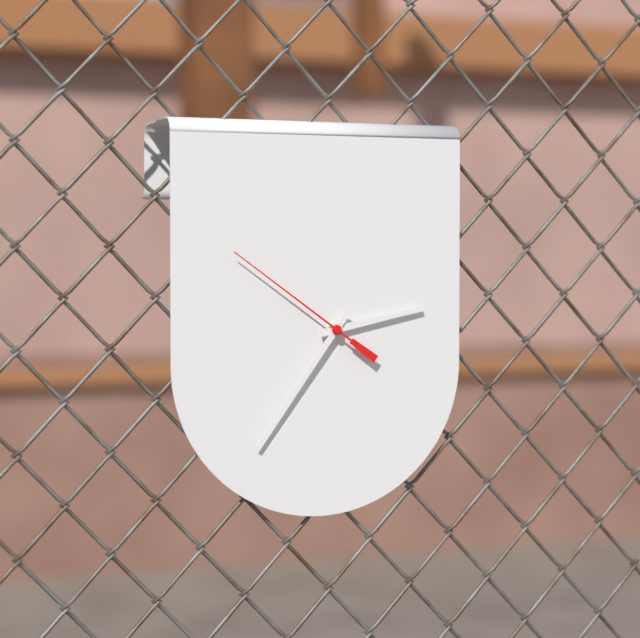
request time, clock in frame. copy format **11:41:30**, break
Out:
**2:36:51**
